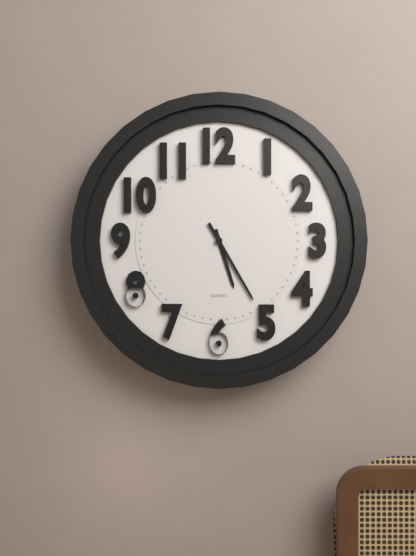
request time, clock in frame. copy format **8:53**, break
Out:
**5:25**
